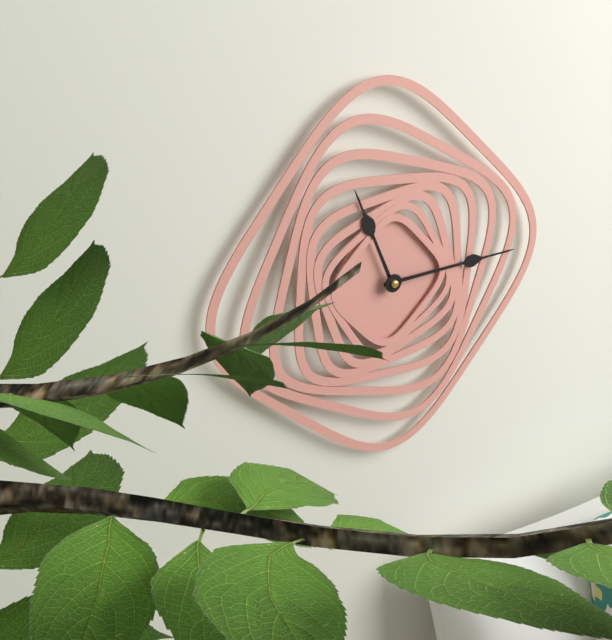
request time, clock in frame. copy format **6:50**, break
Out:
**11:15**
